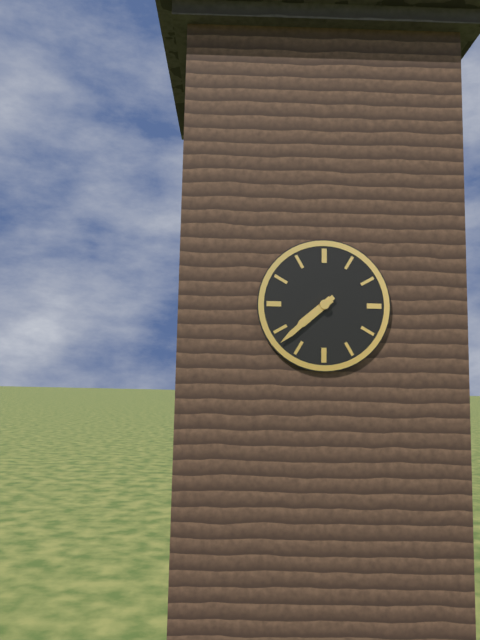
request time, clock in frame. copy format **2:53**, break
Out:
**7:38**
